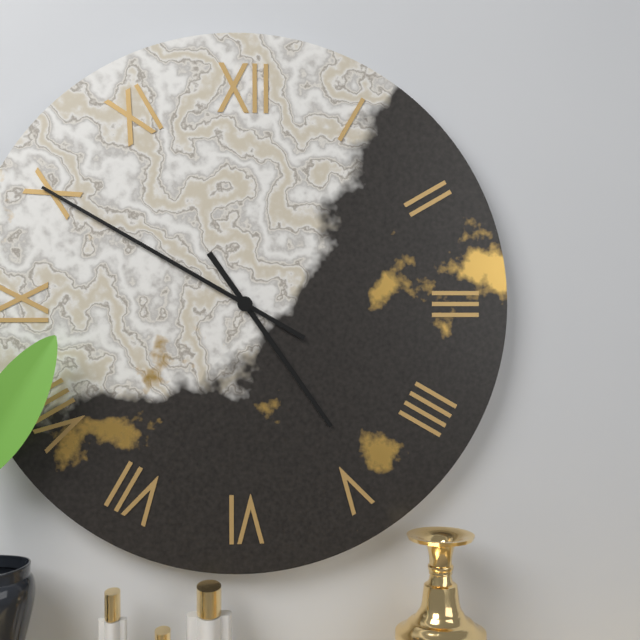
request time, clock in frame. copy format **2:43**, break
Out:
**4:50**
